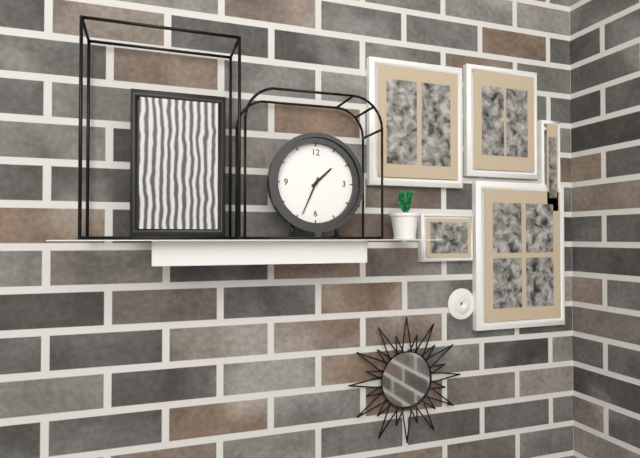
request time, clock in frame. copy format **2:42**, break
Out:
**1:34**
